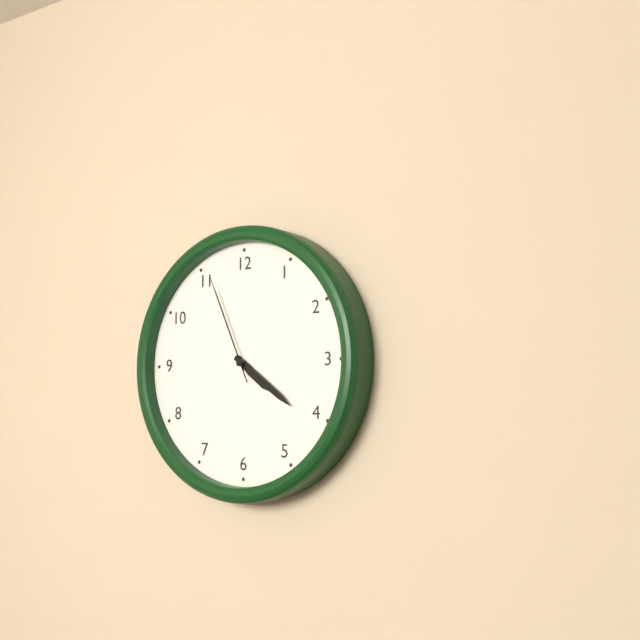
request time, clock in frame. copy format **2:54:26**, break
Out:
**4:21:56**
